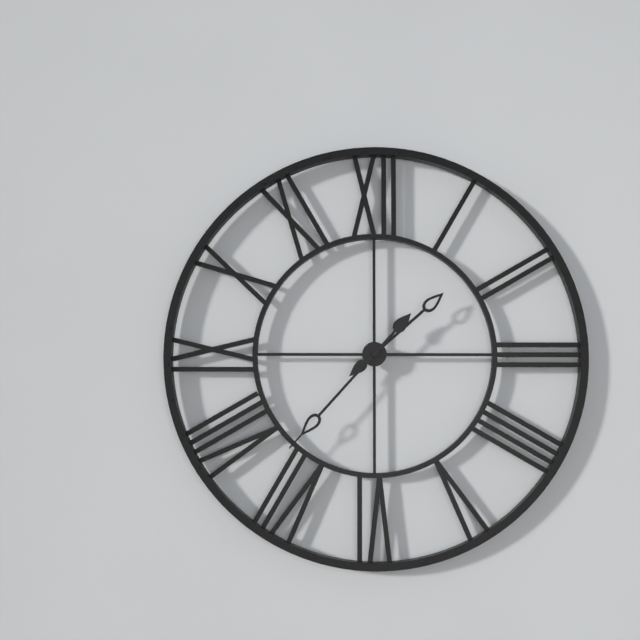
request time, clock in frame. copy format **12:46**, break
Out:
**1:37**
